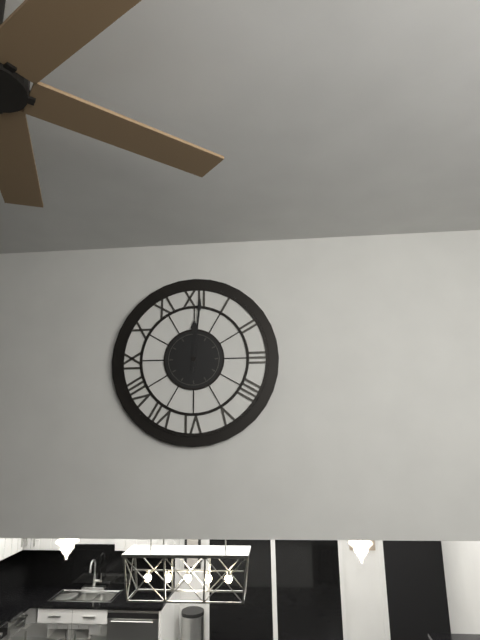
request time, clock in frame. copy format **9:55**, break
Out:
**12:01**
